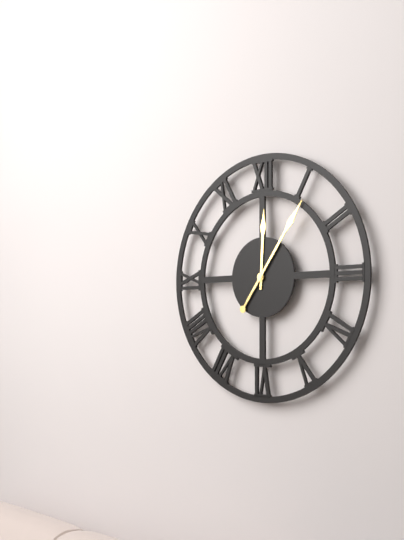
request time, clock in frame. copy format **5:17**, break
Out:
**12:06**
